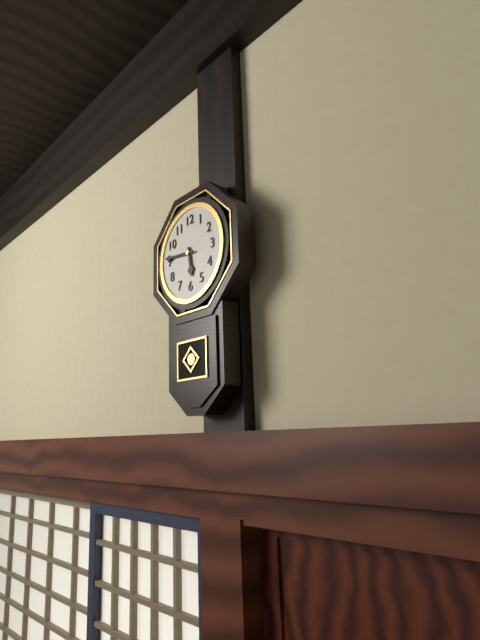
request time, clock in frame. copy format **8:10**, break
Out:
**5:46**
